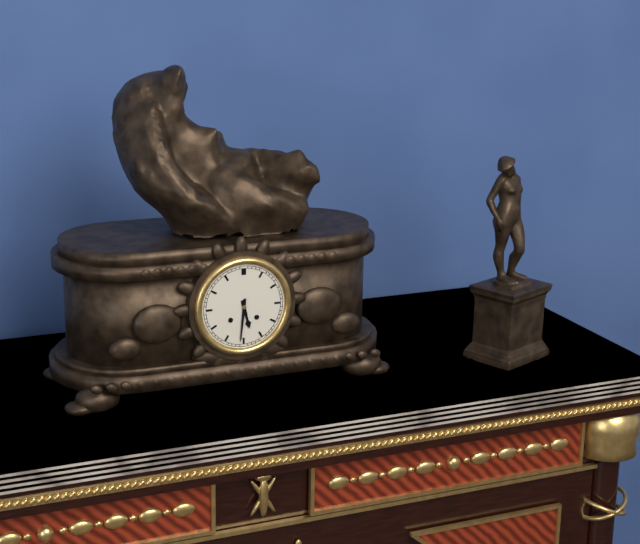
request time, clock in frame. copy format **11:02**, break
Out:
**5:31**
